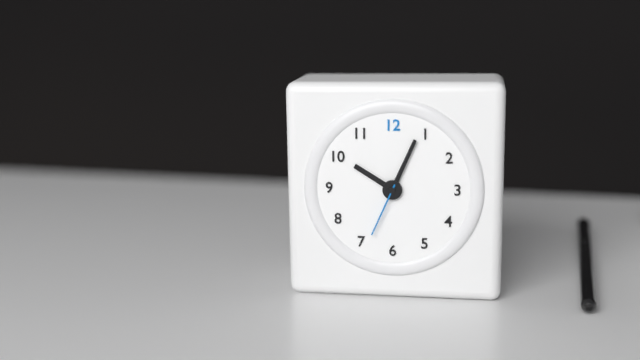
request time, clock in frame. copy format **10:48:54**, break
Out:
**10:04:34**
